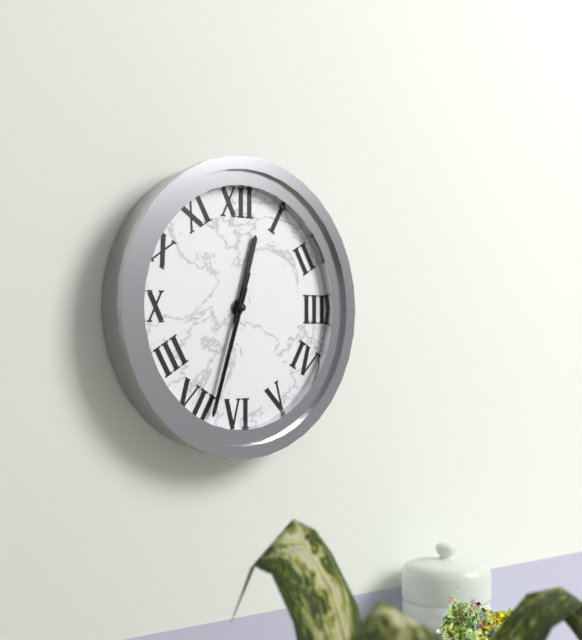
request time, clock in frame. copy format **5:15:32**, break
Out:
**12:33:33**
